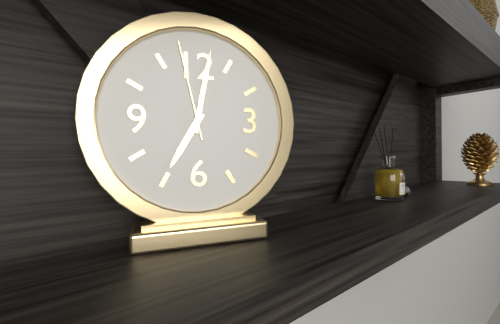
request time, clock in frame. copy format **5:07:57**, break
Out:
**7:02:58**
